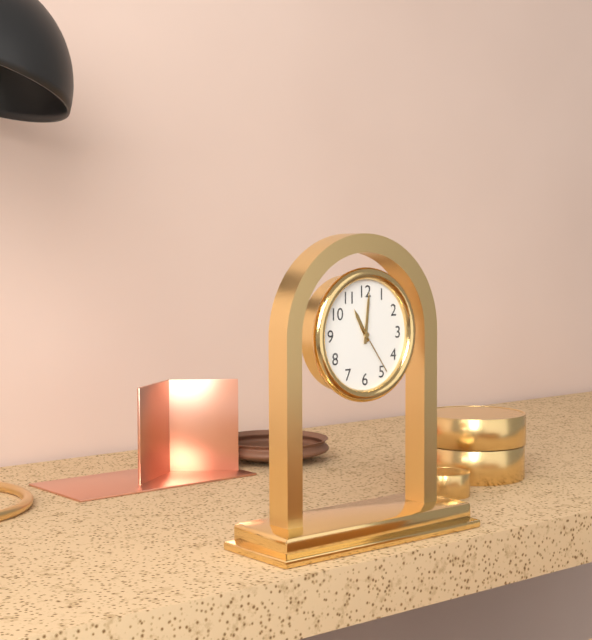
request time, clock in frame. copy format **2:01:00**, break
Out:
**11:01:24**
